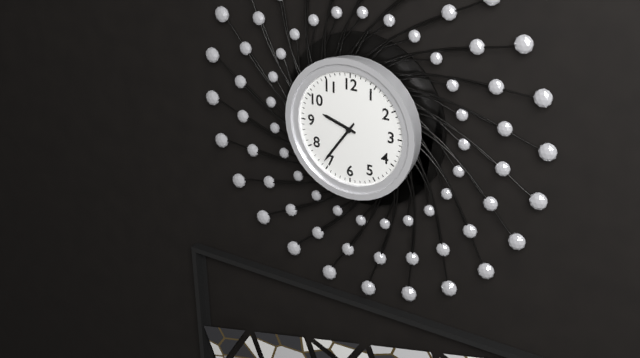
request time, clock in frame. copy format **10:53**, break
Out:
**9:36**
